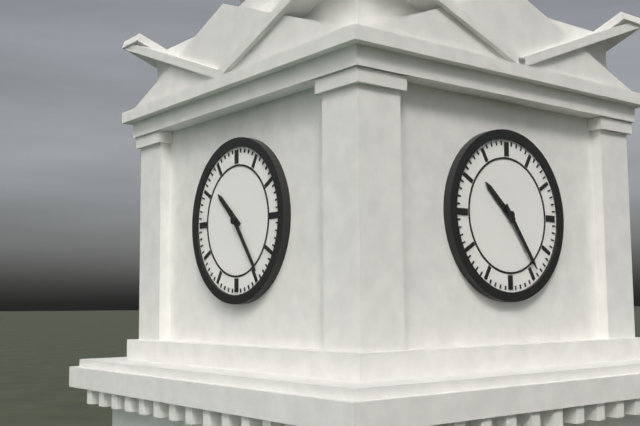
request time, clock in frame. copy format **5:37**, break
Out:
**10:24**
